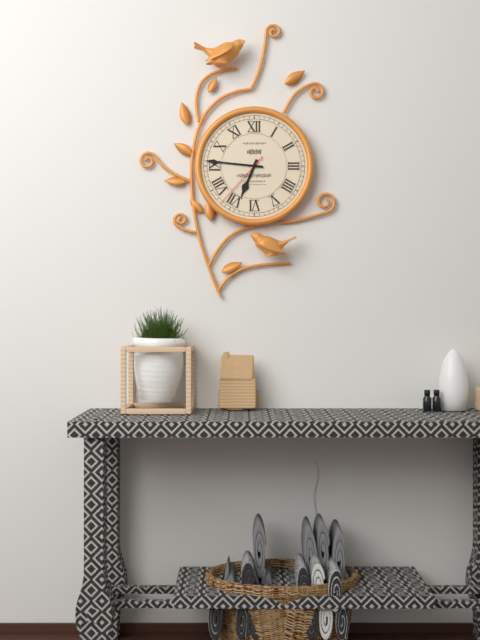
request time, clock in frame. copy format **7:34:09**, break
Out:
**6:46:37**
